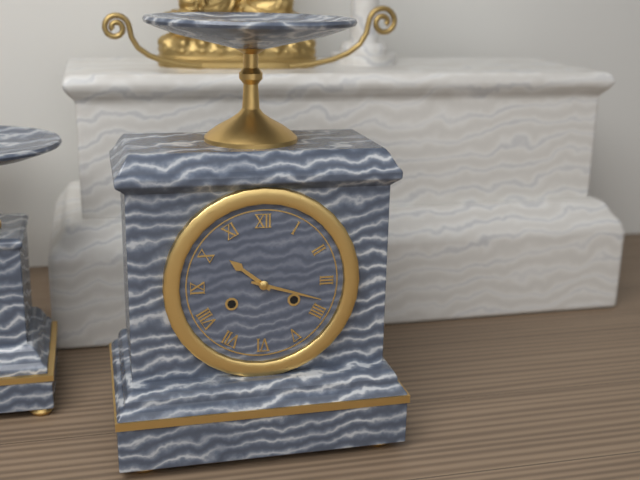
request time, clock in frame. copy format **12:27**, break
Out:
**10:18**
